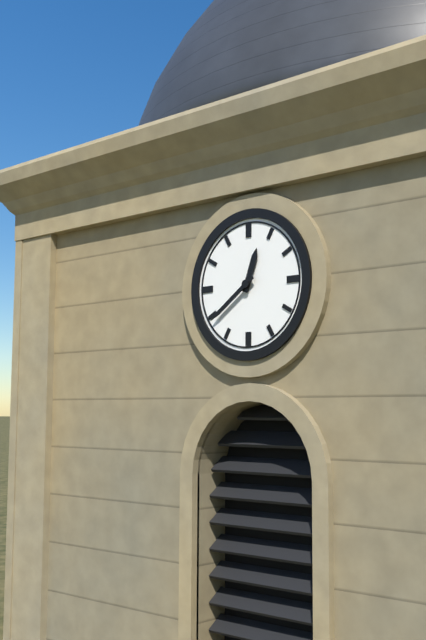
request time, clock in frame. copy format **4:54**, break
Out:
**12:39**
